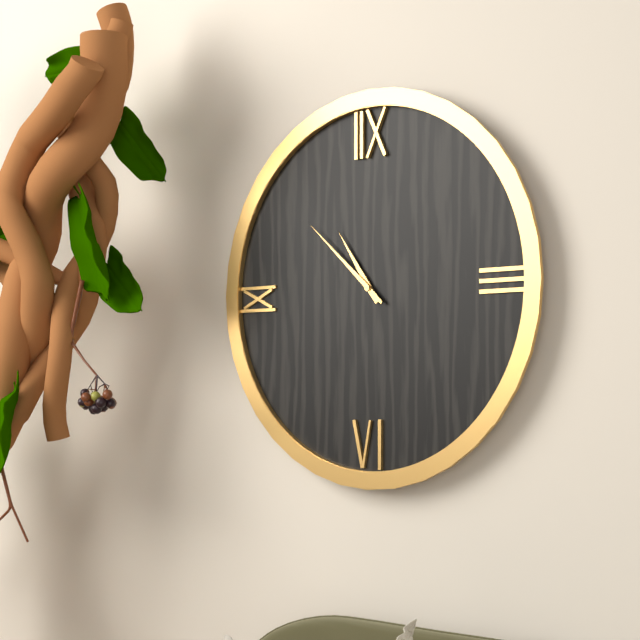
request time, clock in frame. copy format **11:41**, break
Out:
**10:52**
